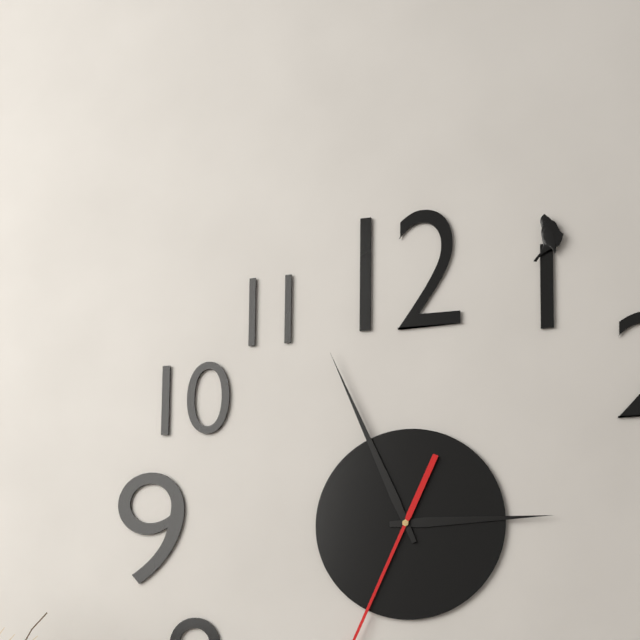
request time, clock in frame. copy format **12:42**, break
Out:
**2:56**
